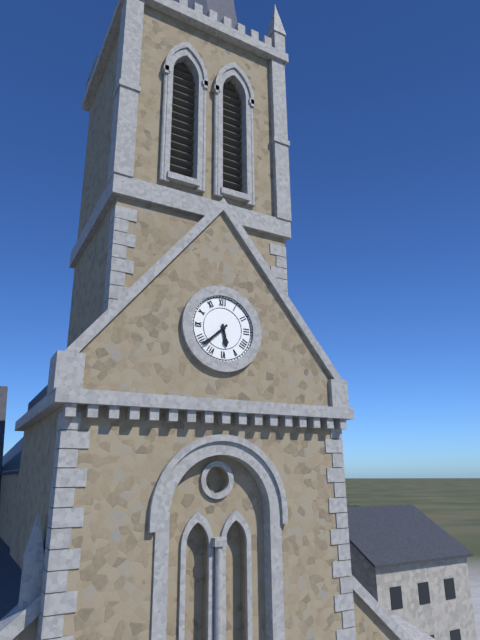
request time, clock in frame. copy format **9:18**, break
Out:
**5:38**
